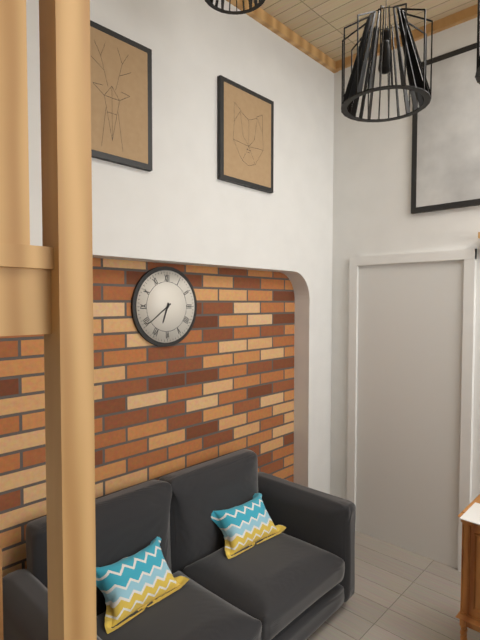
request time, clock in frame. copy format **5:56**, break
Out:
**6:39**
